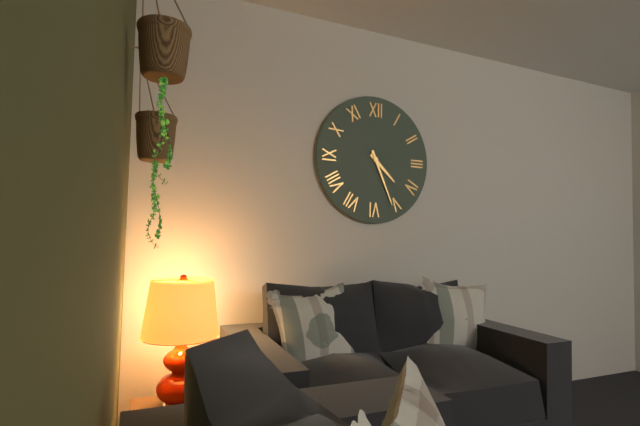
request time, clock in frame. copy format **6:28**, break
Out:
**4:26**
